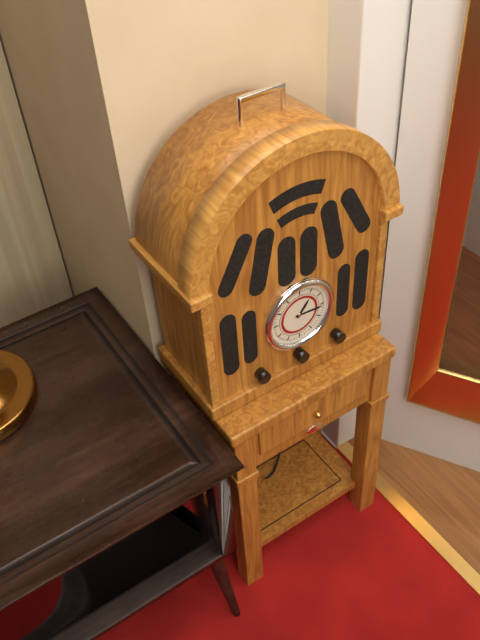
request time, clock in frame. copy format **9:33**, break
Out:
**1:16**
